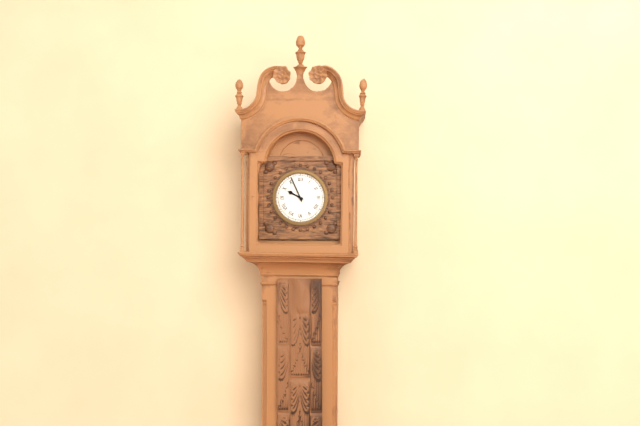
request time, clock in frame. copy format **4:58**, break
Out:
**9:56**
